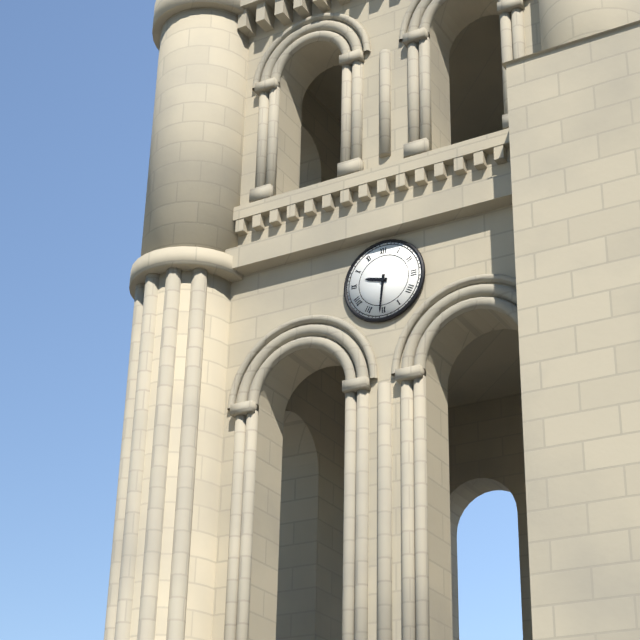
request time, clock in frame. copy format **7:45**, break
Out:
**9:31**
